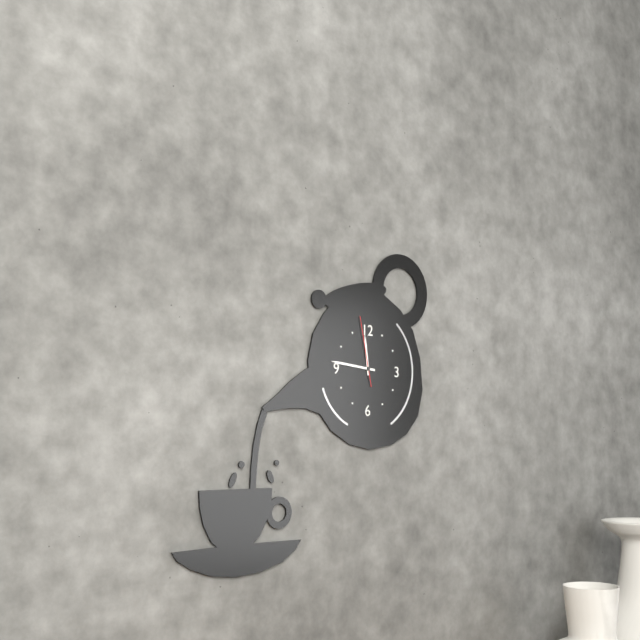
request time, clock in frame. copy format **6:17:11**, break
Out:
**11:46:58**
